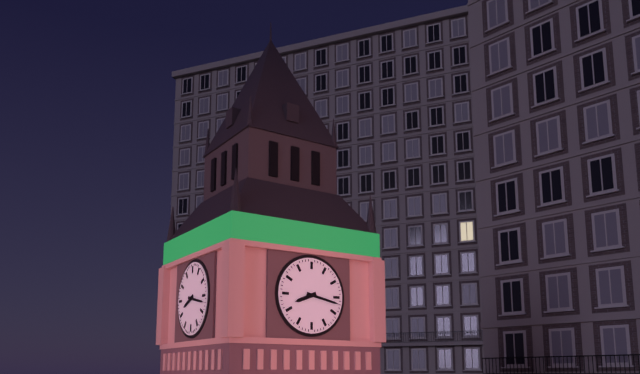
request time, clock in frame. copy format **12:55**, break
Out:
**8:17**
